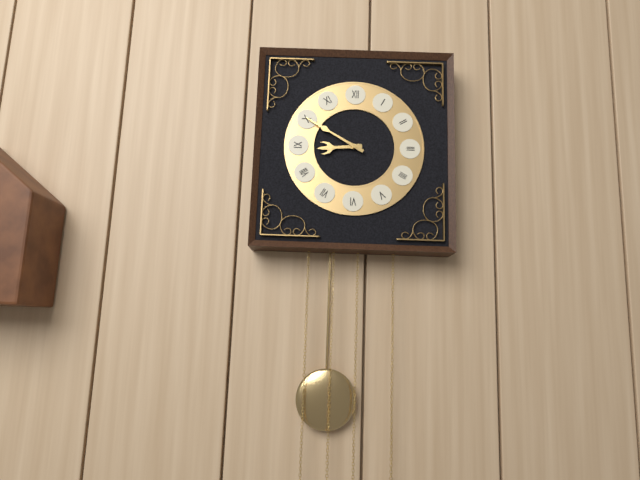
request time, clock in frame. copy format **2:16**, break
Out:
**8:50**
